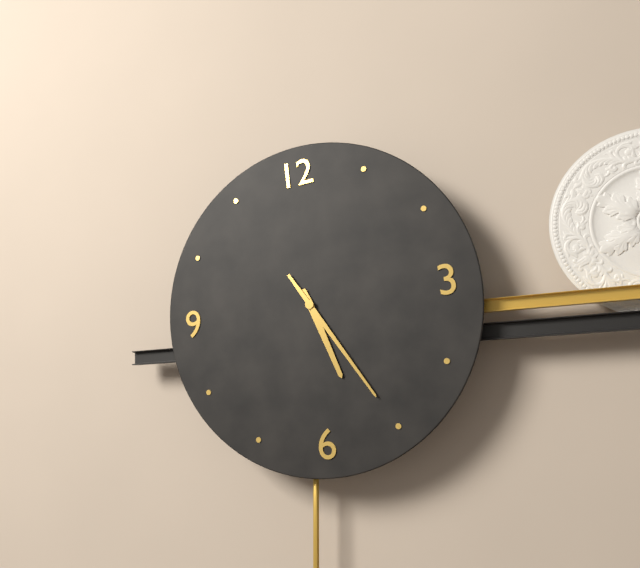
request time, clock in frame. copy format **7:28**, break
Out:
**5:25**
